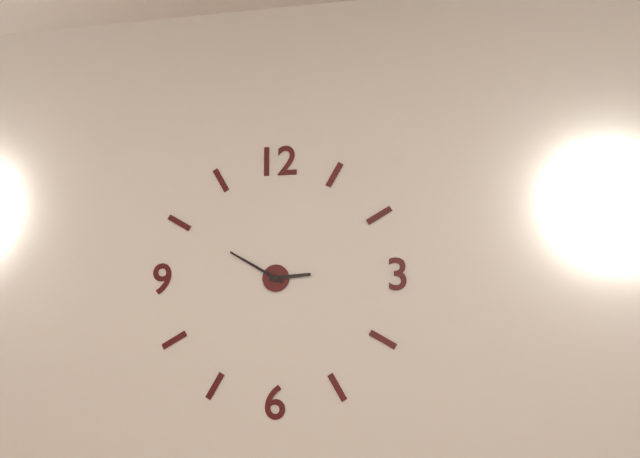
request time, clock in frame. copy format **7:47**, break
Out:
**2:50**
